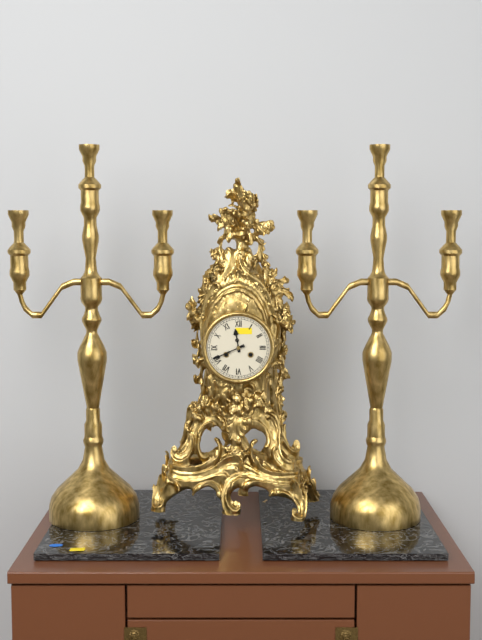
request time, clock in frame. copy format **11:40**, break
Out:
**11:41**
